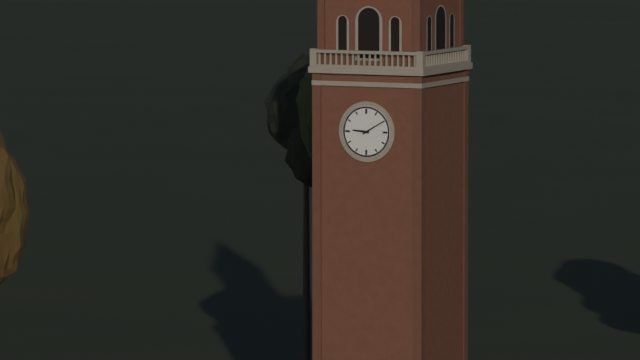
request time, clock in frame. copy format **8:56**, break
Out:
**9:10**
